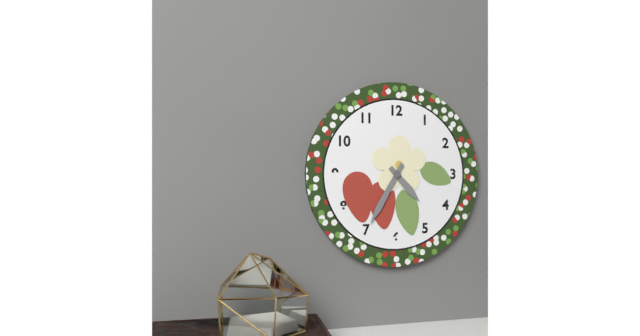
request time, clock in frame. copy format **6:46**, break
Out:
**4:35**
